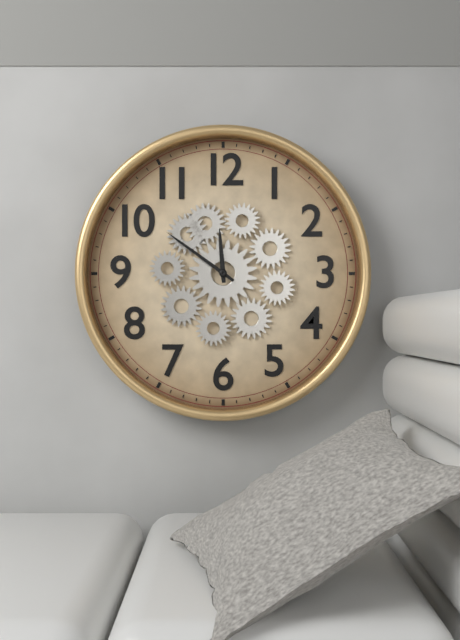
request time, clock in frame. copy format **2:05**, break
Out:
**11:51**
